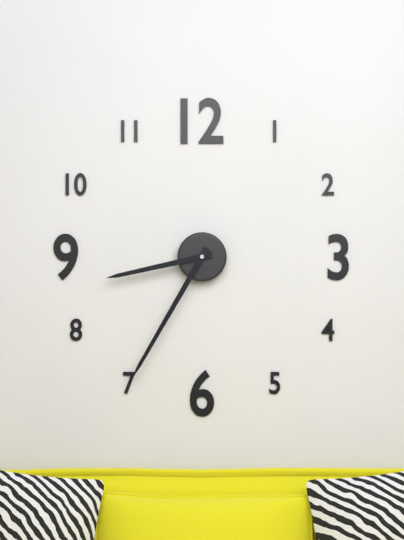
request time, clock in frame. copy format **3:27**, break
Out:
**8:35**
